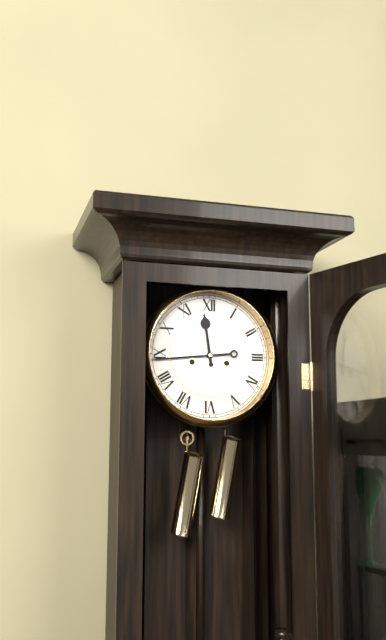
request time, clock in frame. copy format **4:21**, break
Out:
**11:44**
